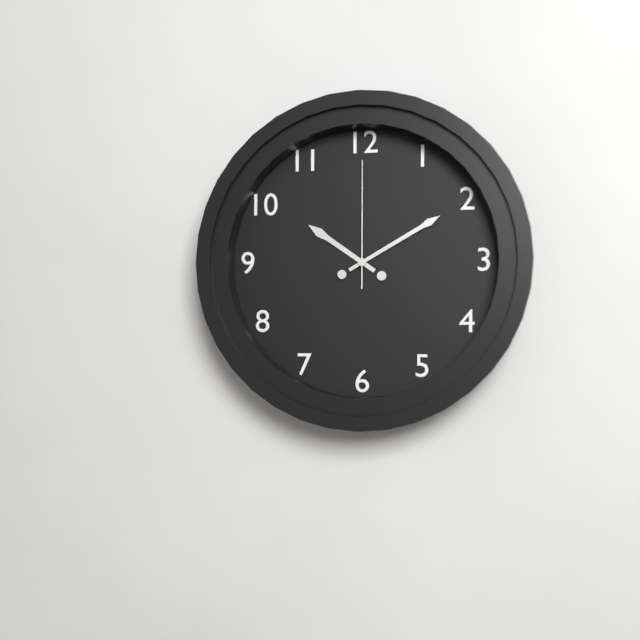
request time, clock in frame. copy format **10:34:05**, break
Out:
**10:10:00**
